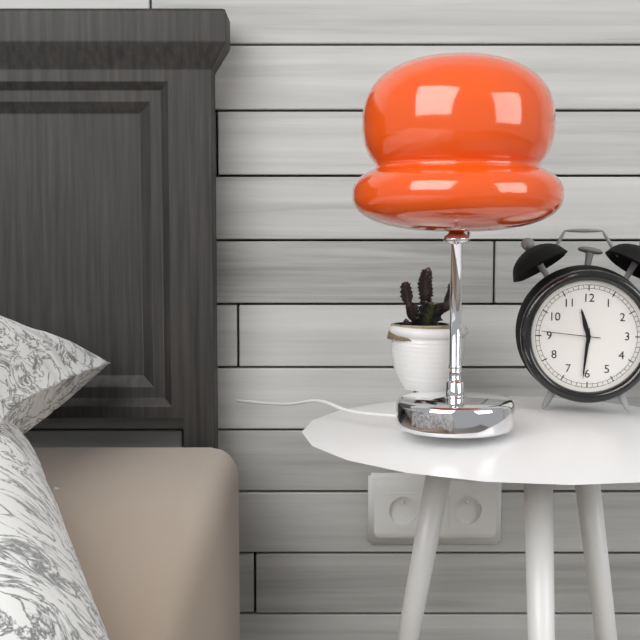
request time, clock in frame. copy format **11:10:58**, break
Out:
**11:31:46**
